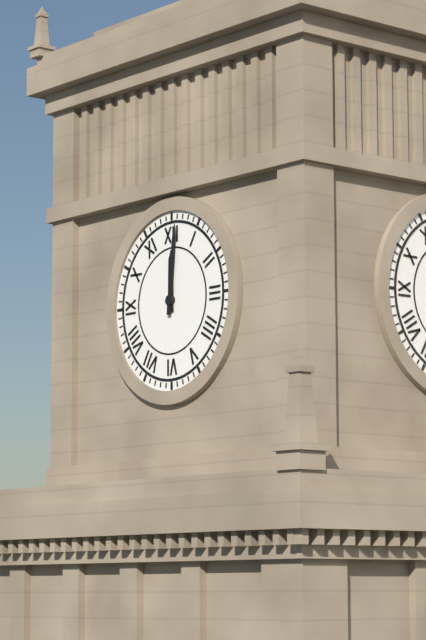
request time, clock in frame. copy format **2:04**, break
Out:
**12:01**
